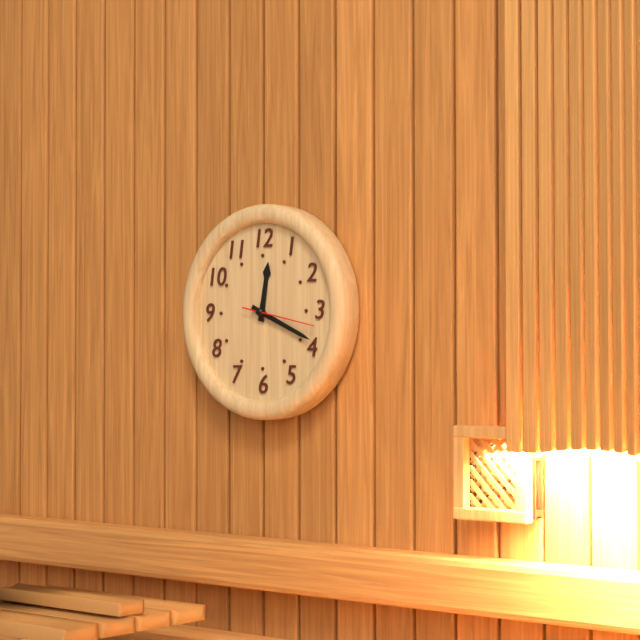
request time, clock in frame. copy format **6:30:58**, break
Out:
**12:19:17**
